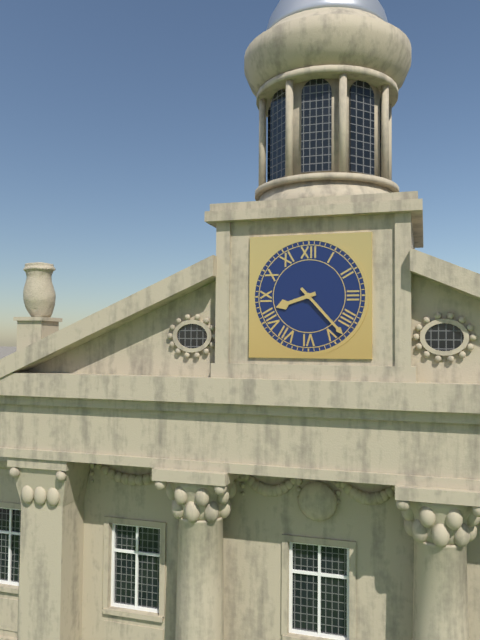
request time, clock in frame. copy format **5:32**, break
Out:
**8:23**
